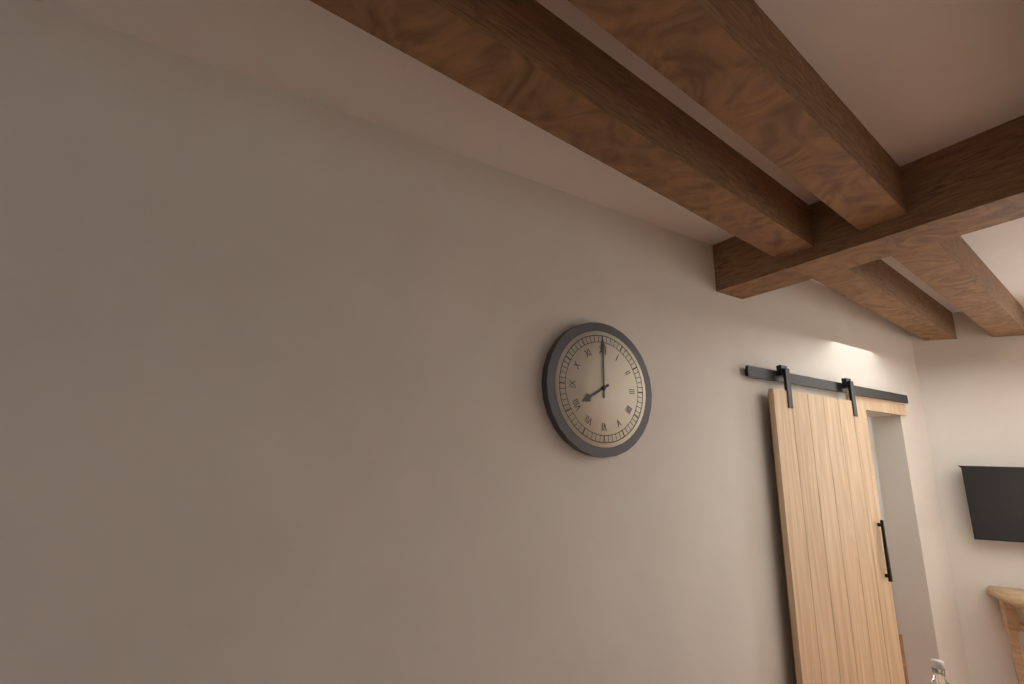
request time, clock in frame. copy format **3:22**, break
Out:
**8:00**
